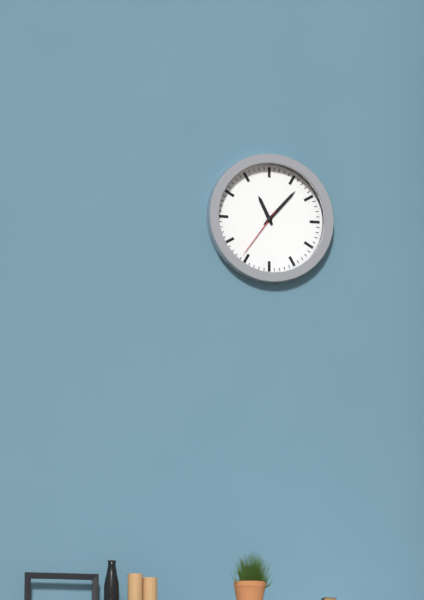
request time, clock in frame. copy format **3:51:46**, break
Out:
**11:07:36**
